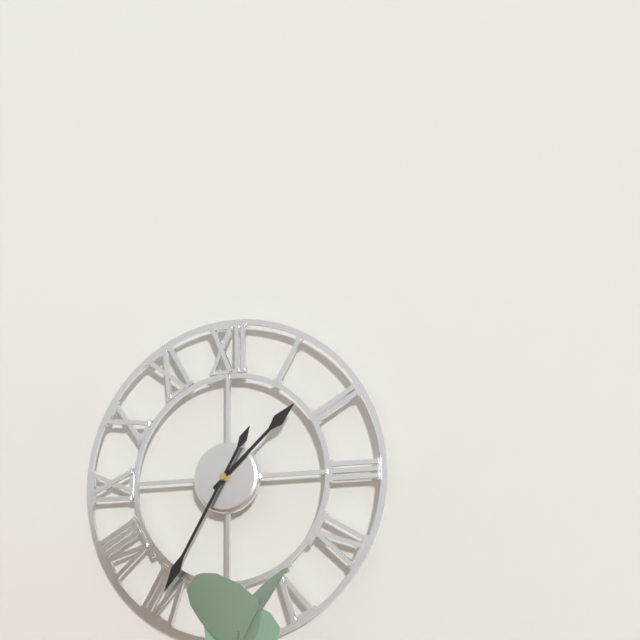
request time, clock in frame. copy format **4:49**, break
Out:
**1:35**
